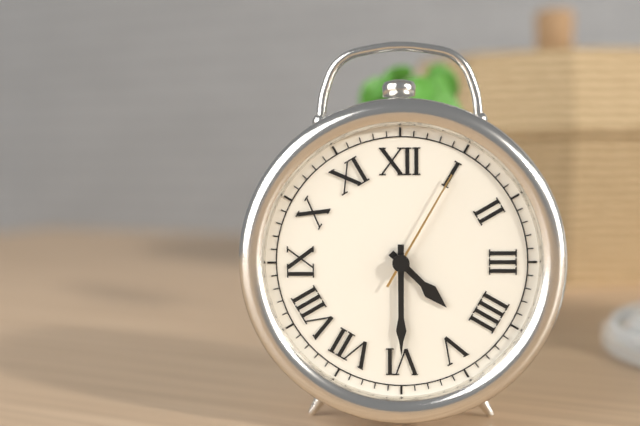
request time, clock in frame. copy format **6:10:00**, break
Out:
**4:30:05**
